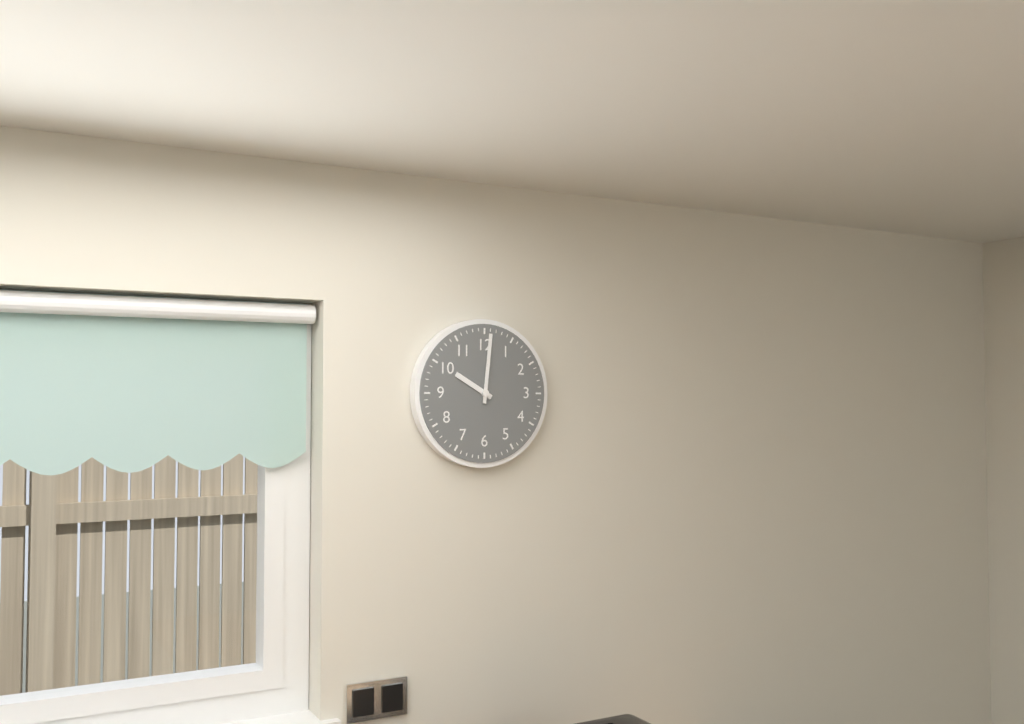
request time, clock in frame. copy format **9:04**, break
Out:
**10:01**
